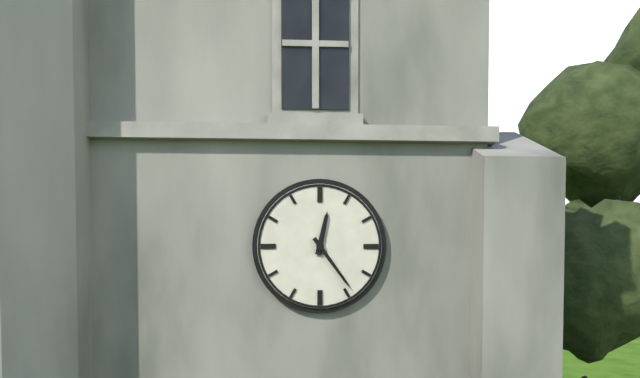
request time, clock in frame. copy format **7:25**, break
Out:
**12:24**
